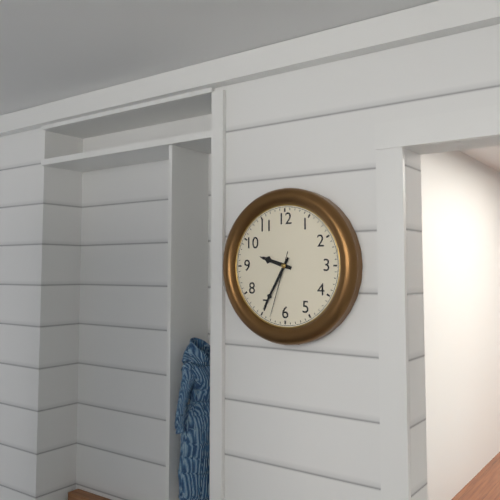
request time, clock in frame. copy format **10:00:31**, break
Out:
**9:35:33**
